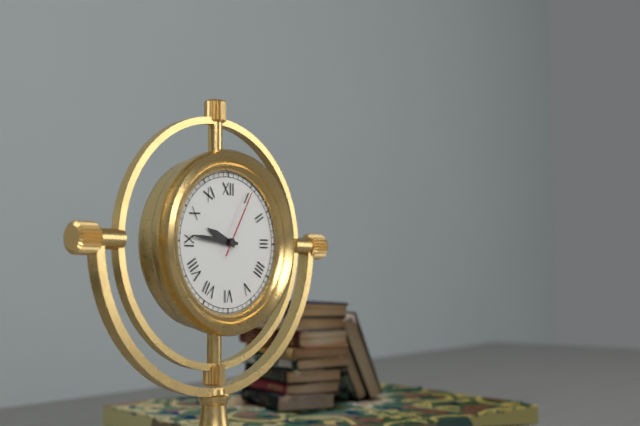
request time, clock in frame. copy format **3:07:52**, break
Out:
**9:46:05**
